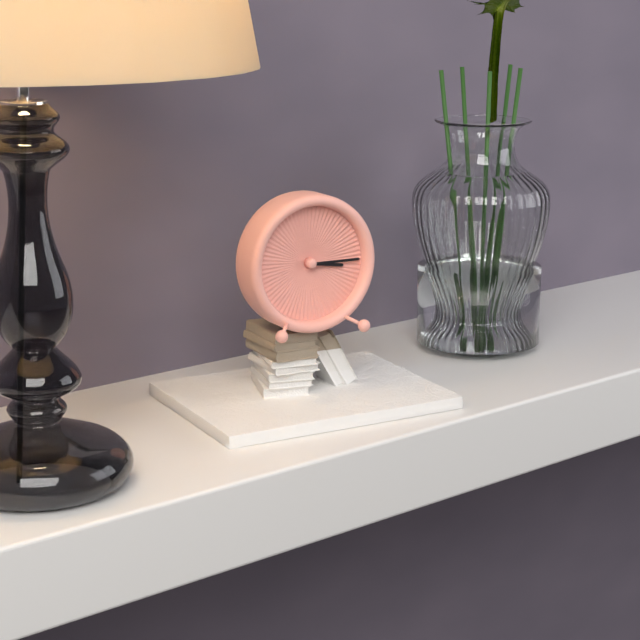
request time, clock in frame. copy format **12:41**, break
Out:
**3:15**
